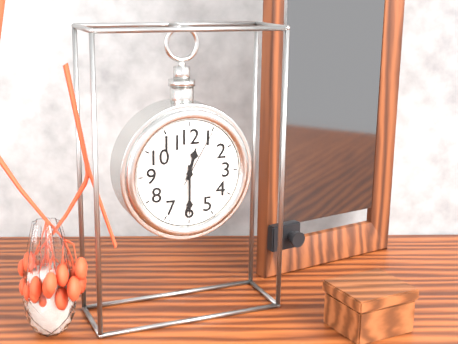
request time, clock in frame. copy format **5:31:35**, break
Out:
**12:30:05**
